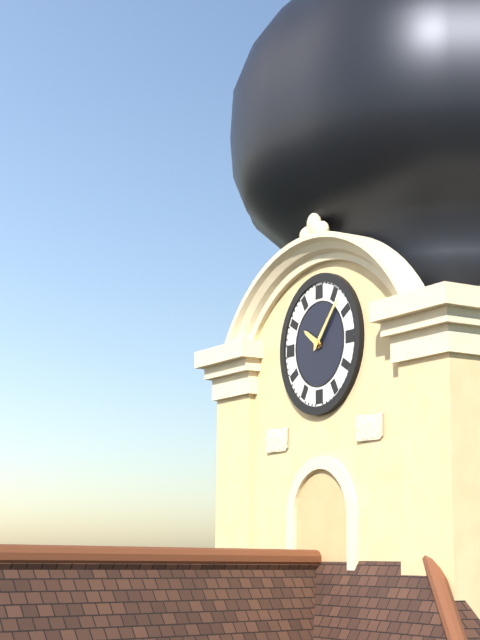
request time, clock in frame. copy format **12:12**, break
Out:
**10:07**
